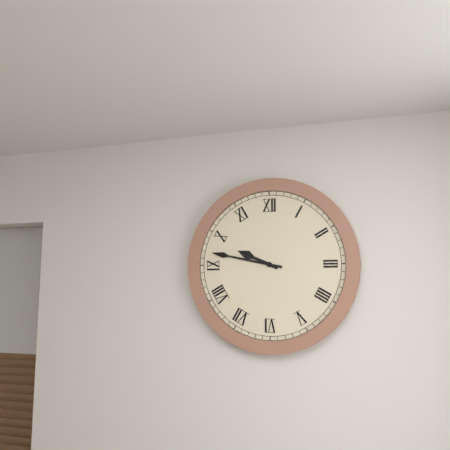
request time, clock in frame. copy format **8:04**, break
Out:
**9:47**
